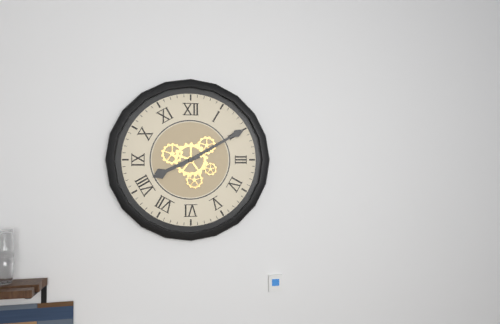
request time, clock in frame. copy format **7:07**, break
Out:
**8:10**
